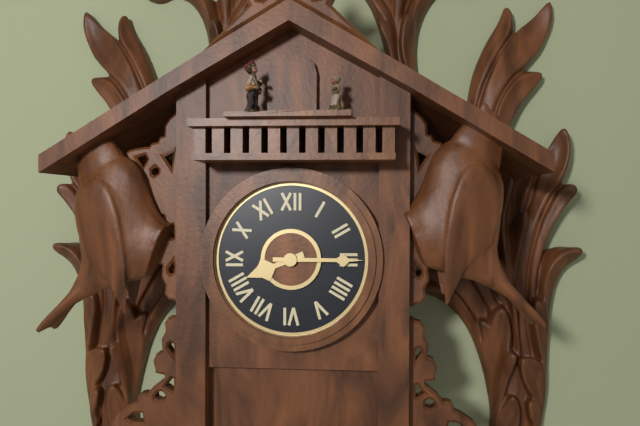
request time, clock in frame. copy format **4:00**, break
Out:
**8:15**
